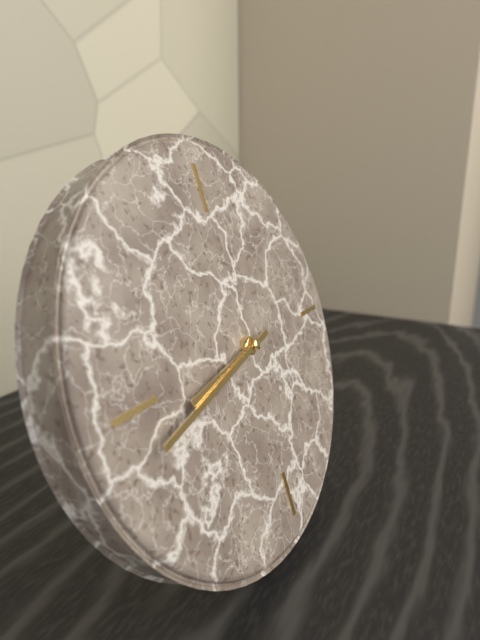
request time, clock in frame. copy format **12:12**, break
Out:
**8:43**
